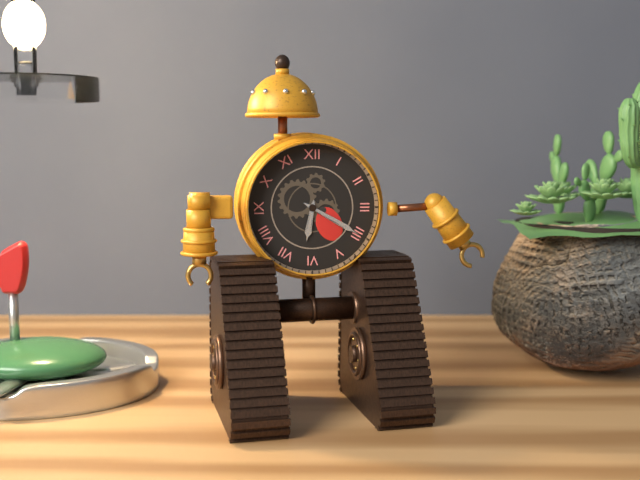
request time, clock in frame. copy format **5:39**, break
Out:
**6:20**
